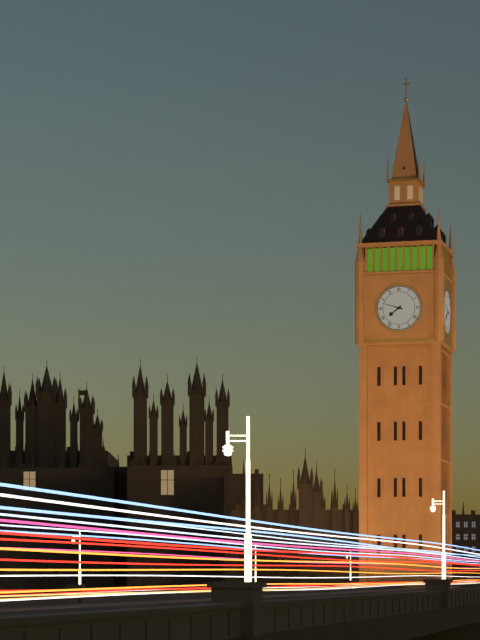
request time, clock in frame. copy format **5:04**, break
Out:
**7:48**
